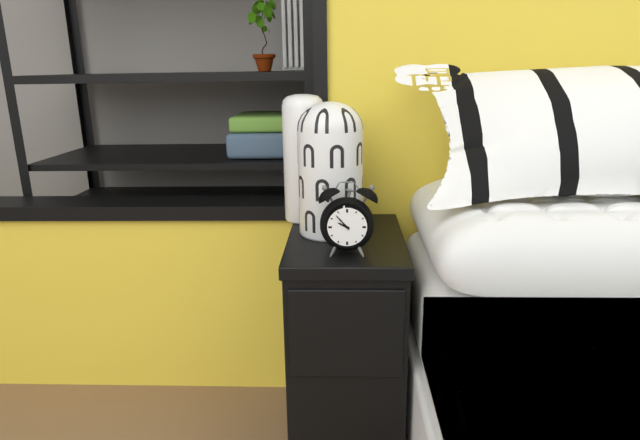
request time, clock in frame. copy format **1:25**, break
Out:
**9:53**
